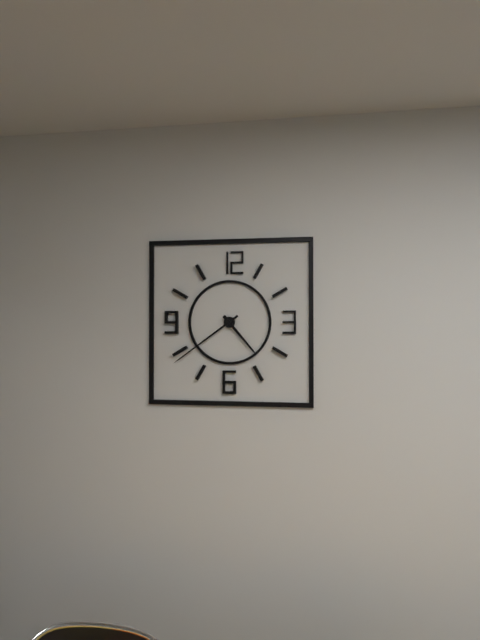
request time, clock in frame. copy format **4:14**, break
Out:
**4:39**
